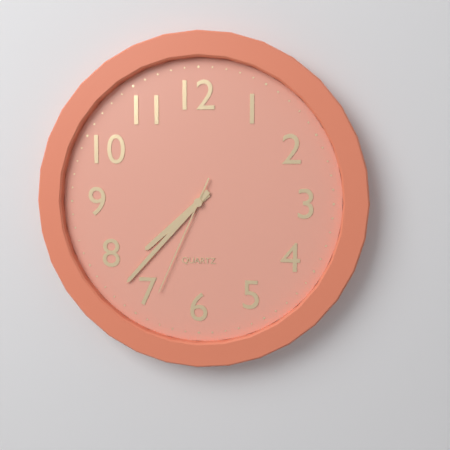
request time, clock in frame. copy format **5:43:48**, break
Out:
**7:37:34**
